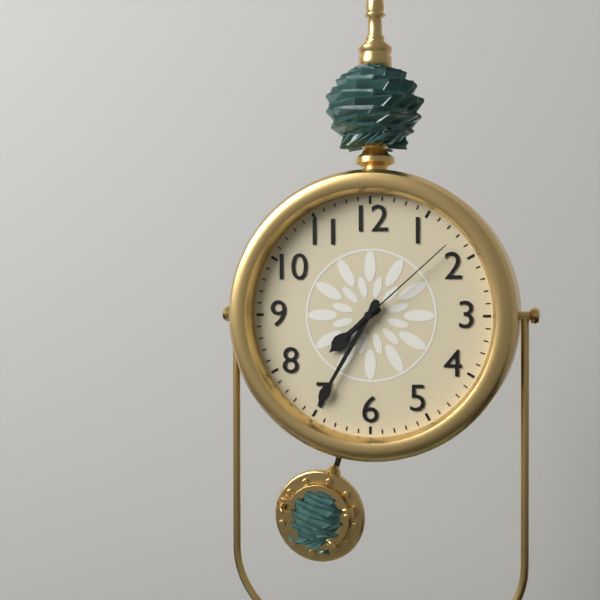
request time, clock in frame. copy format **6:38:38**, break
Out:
**7:35:08**
